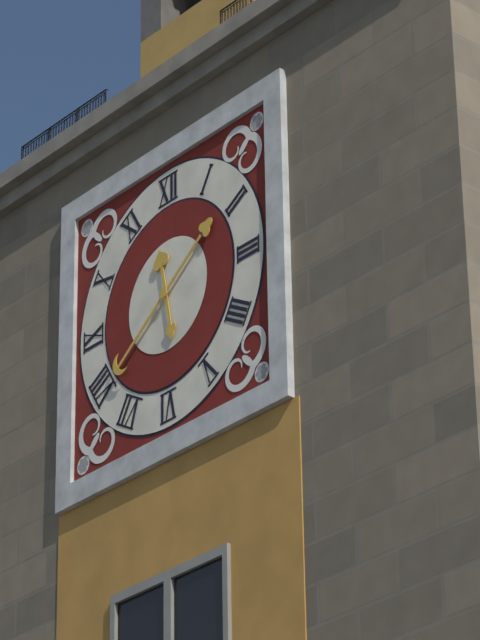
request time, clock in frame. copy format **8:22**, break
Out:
**11:39**
